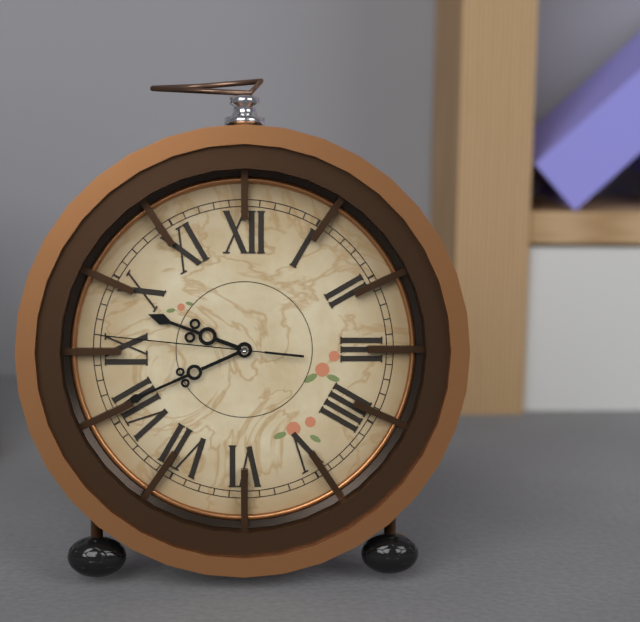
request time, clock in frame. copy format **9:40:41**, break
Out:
**9:41:46**
